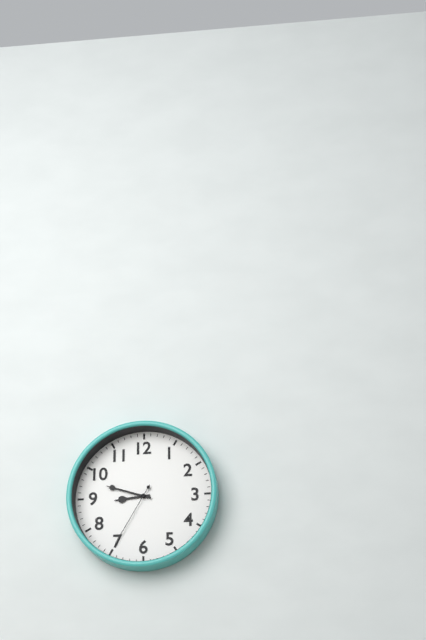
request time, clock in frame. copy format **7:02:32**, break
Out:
**8:48:35**
